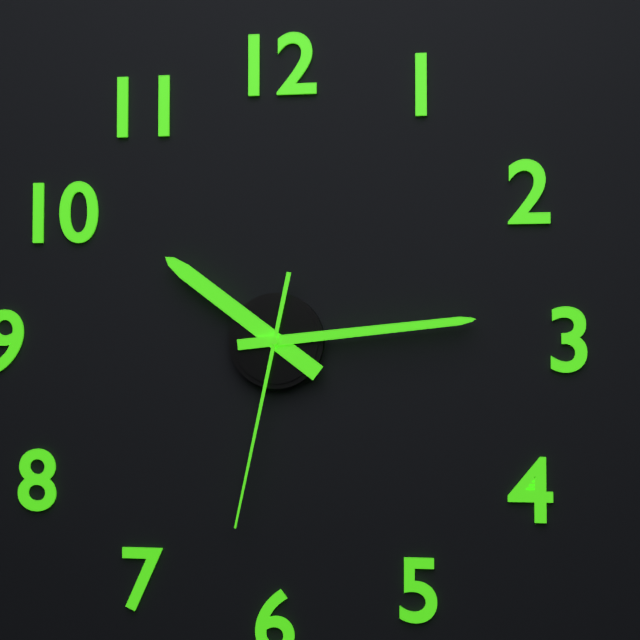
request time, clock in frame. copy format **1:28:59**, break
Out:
**10:14:32**
